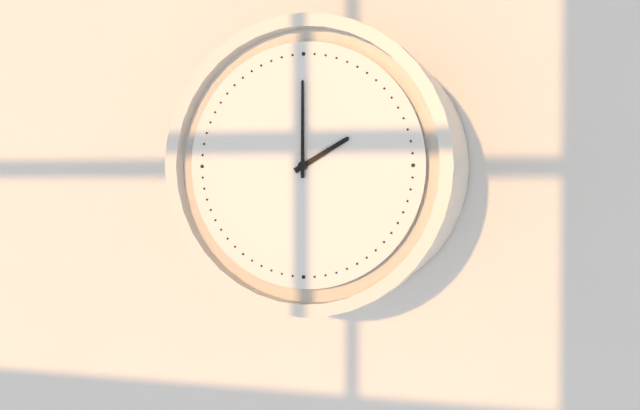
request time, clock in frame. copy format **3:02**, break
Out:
**2:00**
